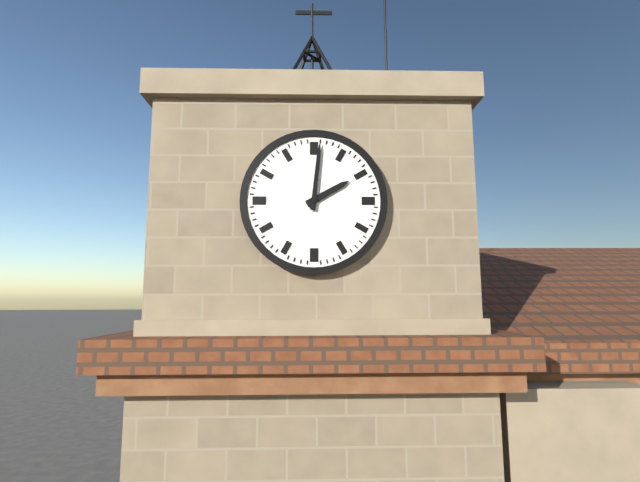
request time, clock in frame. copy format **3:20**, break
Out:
**2:01**
